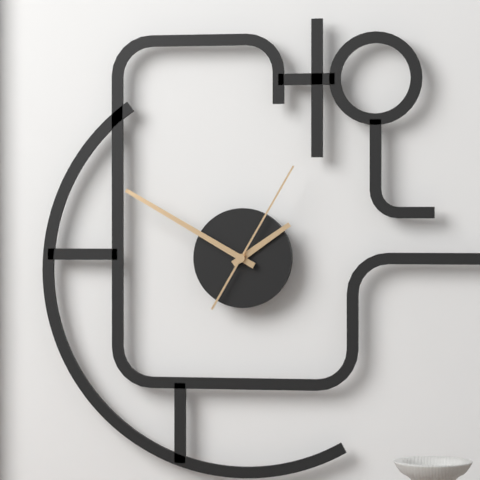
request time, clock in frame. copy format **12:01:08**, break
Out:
**1:50:05**
